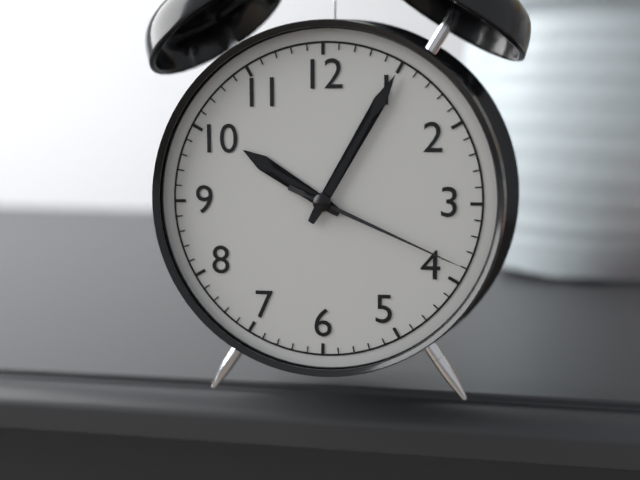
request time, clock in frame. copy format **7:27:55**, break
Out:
**10:05:19**
